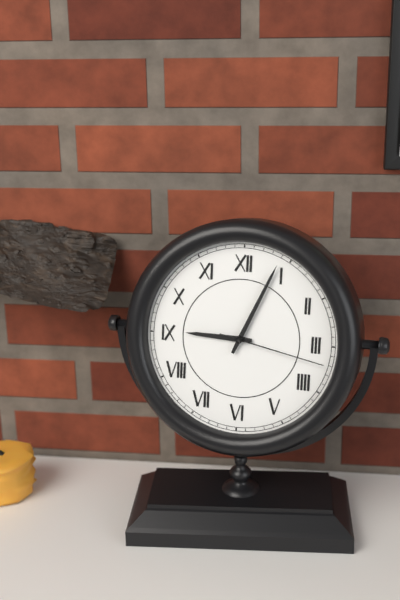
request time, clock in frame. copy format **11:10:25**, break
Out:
**9:04:17**
